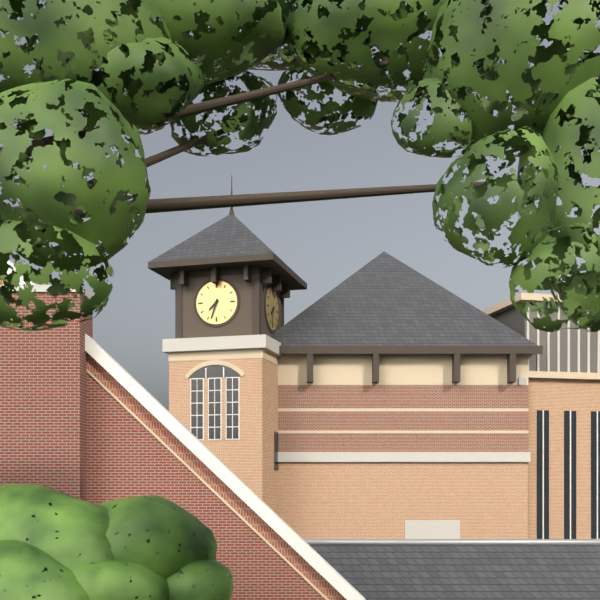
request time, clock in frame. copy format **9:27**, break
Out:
**7:33**
